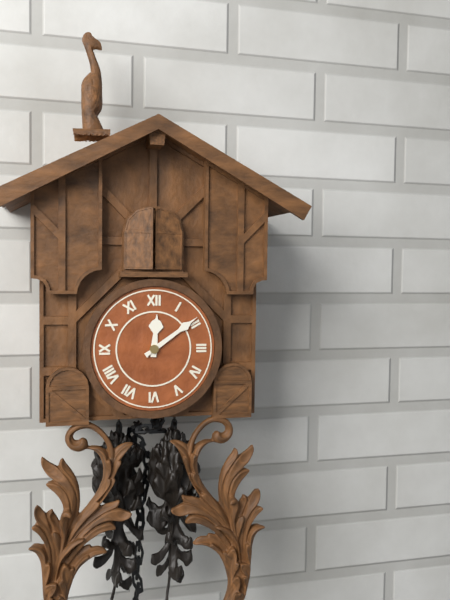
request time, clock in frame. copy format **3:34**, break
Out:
**12:09**
